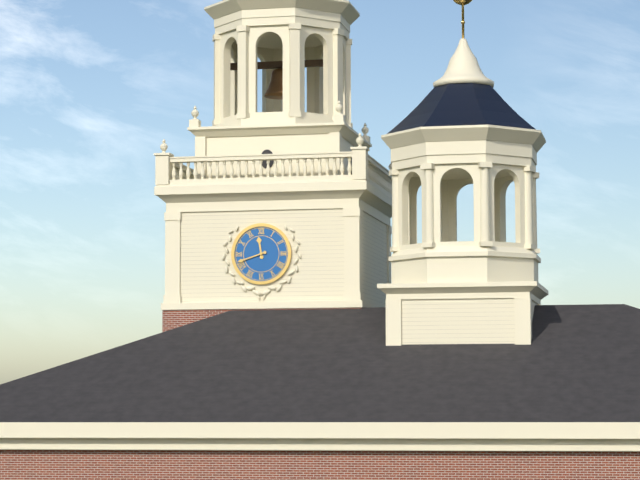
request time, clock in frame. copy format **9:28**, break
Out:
**11:42**
